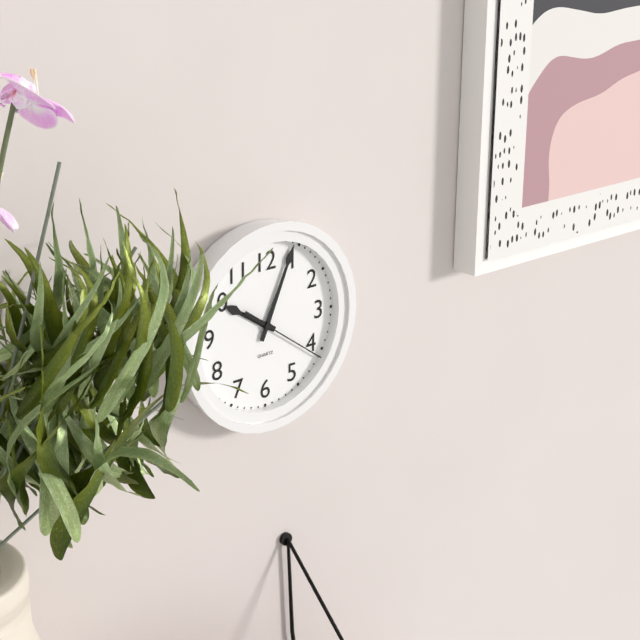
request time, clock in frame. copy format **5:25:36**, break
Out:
**10:04:21**
